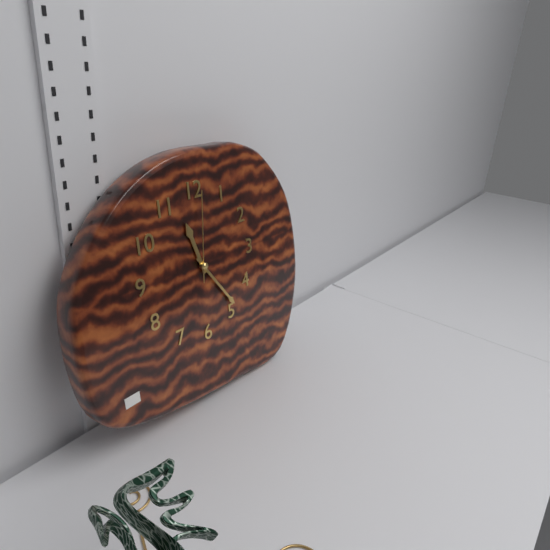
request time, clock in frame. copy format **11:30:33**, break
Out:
**11:24:01**
